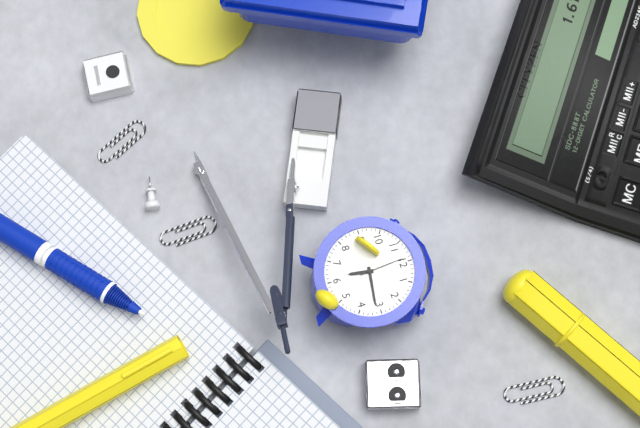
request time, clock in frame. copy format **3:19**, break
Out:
**6:16**
